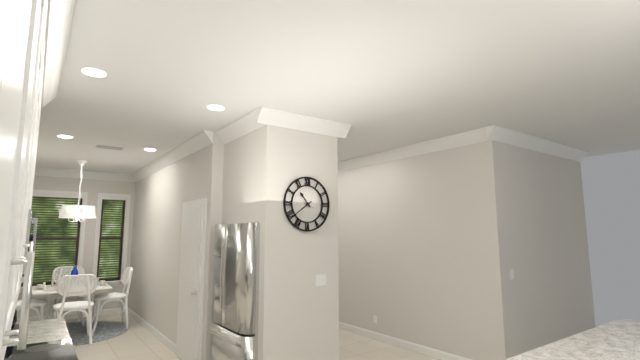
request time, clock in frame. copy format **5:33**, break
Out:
**10:39**
